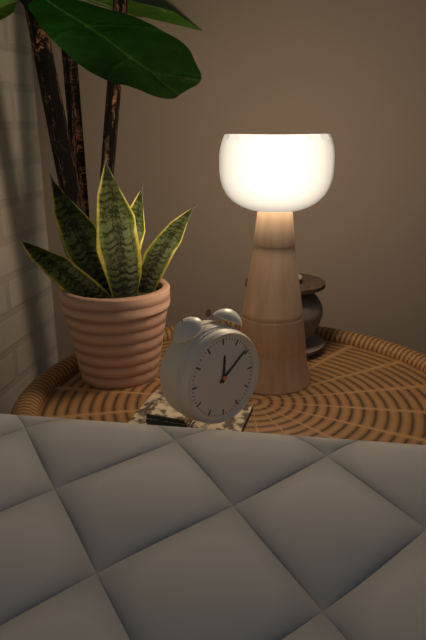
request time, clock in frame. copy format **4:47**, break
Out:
**12:09**
